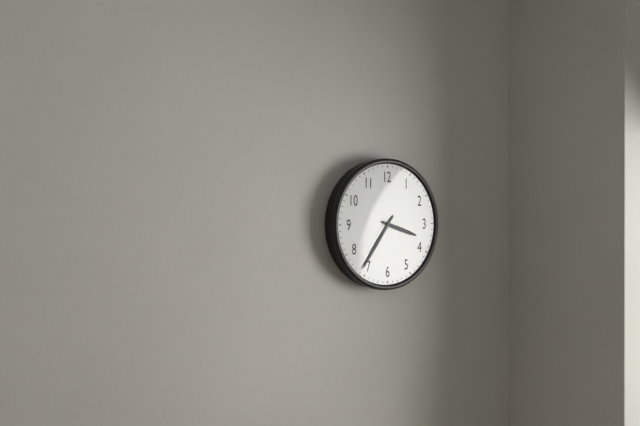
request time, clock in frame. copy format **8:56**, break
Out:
**3:36**
